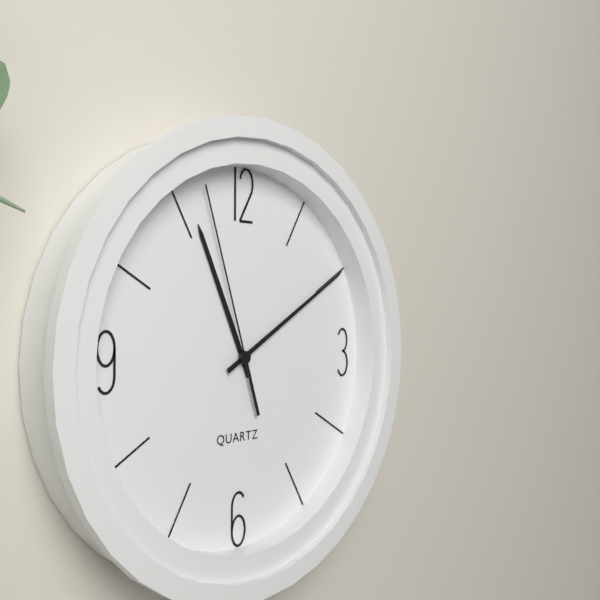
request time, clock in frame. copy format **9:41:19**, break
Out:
**11:10:57**
